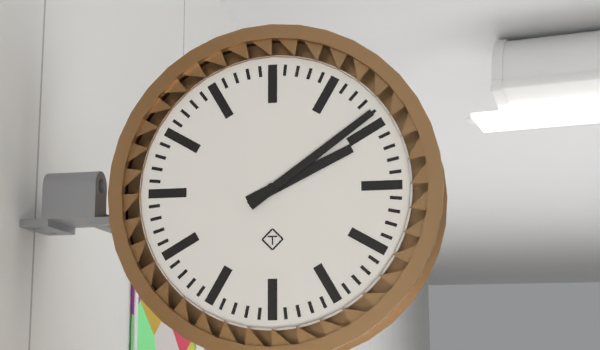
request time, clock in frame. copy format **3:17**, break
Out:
**2:09**
